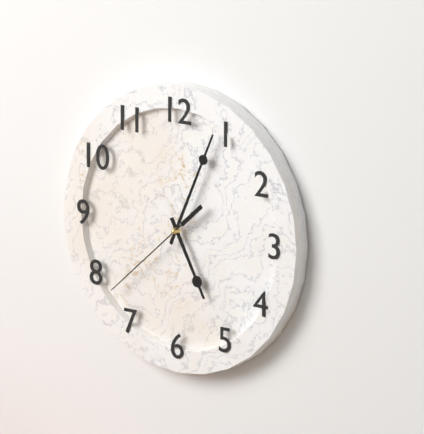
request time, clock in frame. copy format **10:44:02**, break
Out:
**5:04:38**
